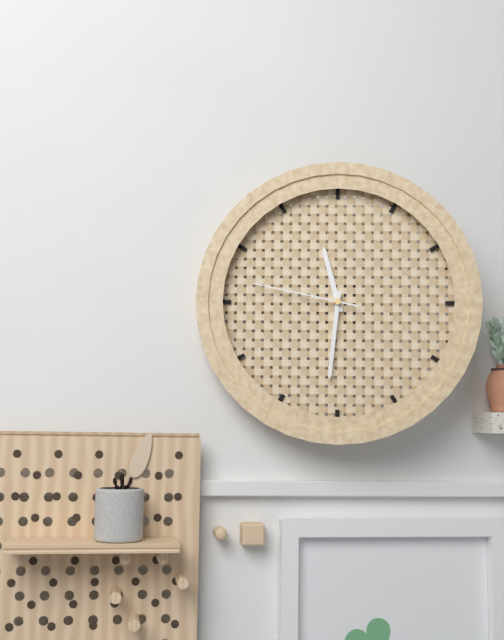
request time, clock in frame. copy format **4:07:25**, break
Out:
**11:31:47**
